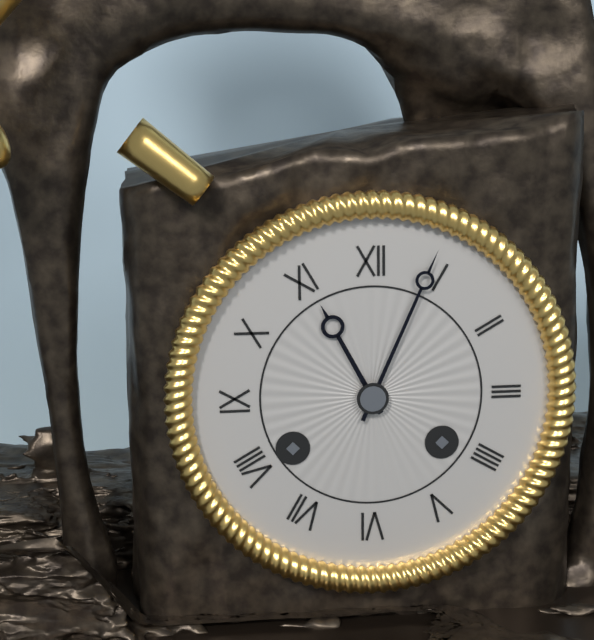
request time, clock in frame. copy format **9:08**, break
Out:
**11:04**
